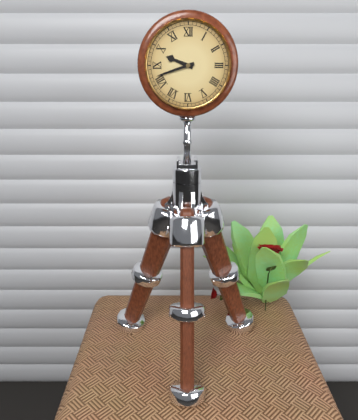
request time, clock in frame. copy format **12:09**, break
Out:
**9:42**
